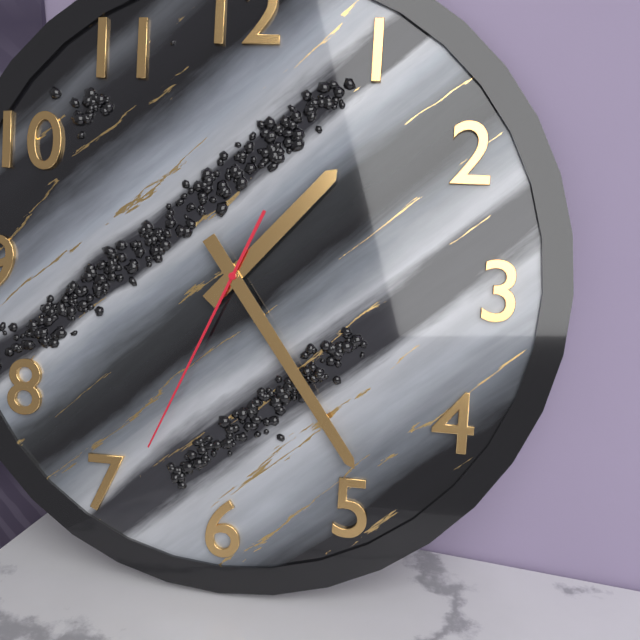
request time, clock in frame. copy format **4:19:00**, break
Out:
**1:24:34**
